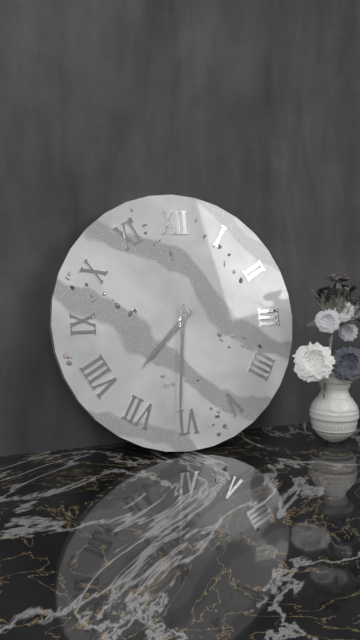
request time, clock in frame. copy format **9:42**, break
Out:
**7:31**
